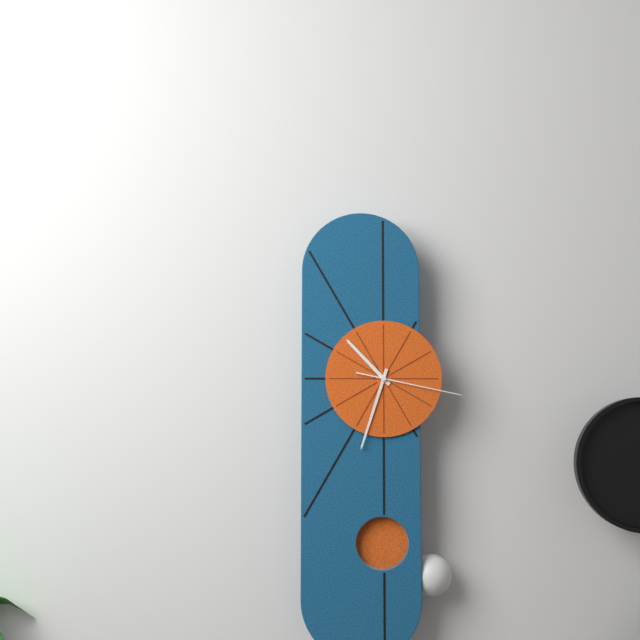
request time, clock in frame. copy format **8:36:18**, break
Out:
**10:33:17**
